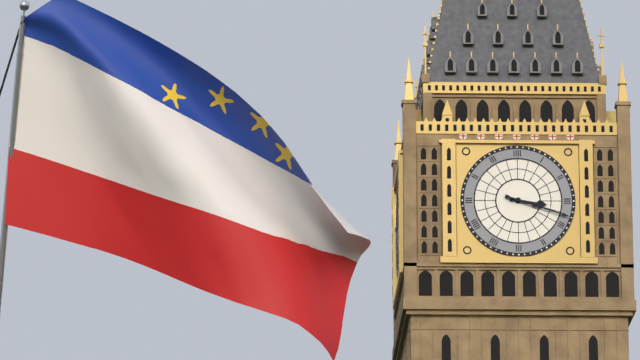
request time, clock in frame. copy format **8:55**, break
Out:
**3:18**
